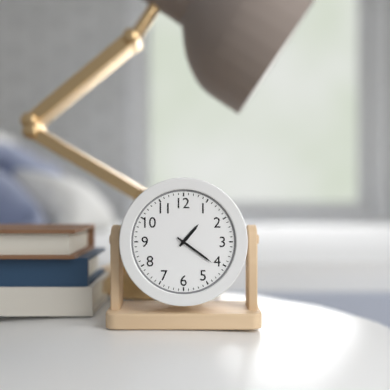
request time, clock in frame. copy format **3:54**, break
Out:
**1:21**
